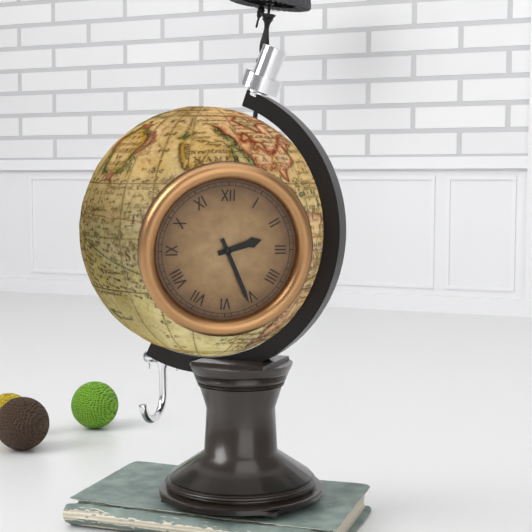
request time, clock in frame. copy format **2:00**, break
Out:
**2:26**
